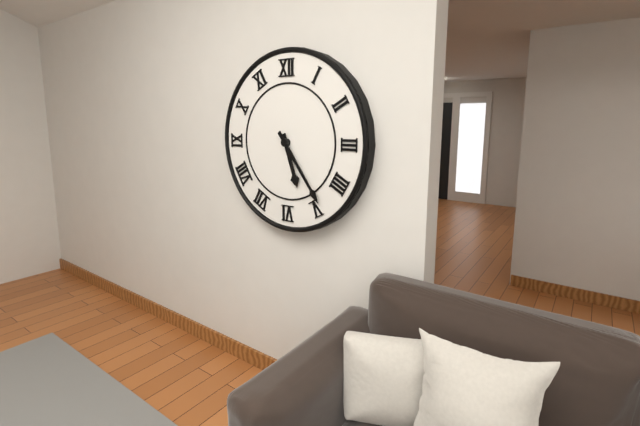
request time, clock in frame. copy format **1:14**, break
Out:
**5:24**
